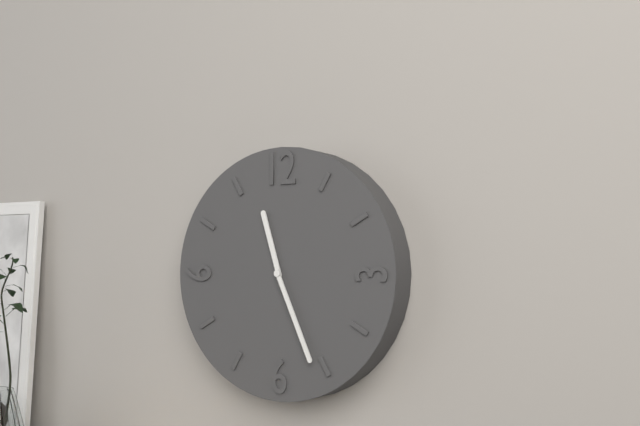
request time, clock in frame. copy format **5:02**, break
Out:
**11:26**
